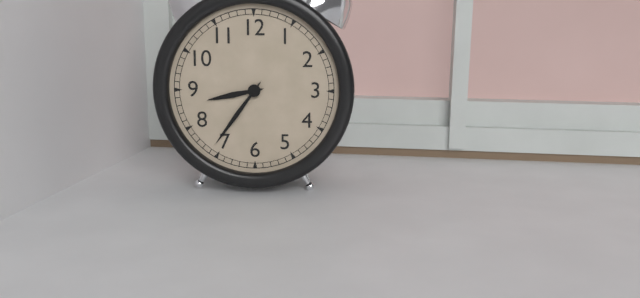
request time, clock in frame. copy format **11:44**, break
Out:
**8:36**
